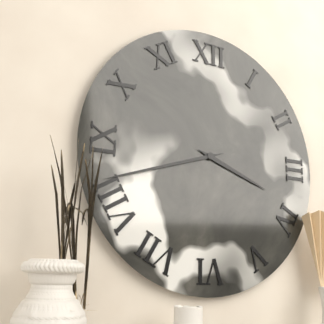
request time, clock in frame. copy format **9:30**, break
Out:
**3:42**
